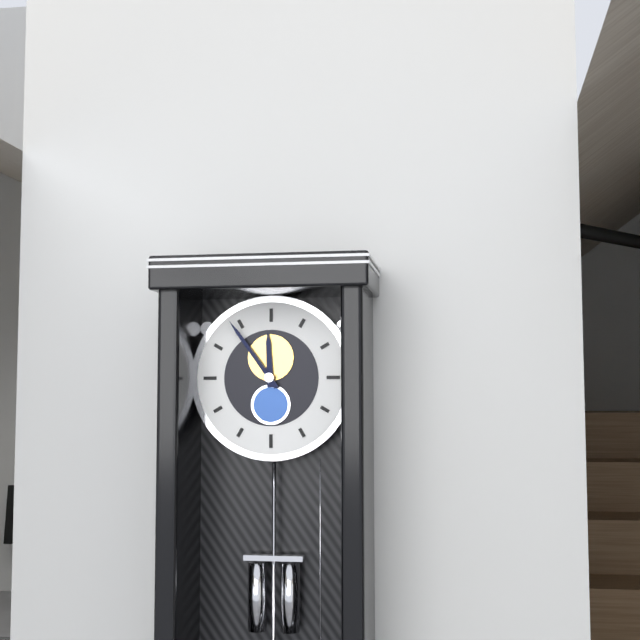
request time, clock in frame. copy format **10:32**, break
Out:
**11:54**
